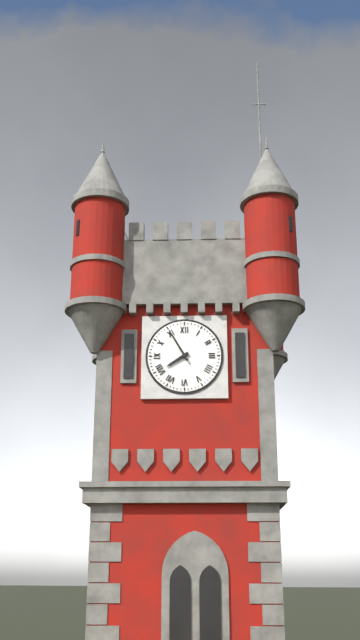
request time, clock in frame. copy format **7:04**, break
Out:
**7:55**
